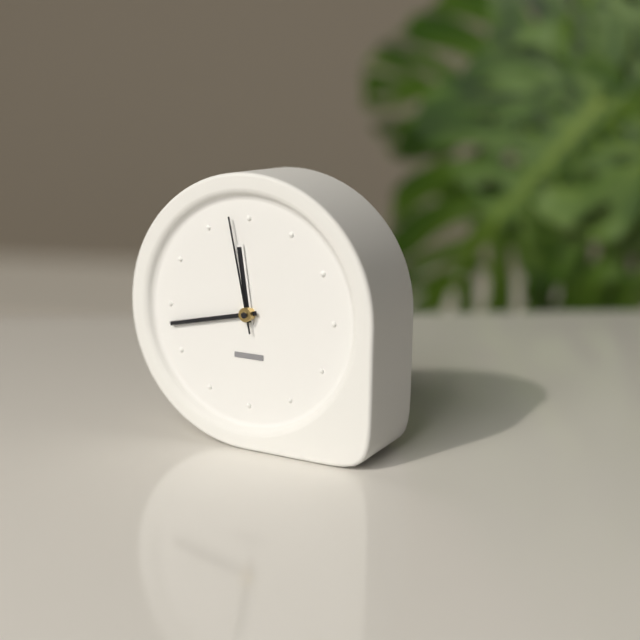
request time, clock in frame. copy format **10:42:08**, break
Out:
**11:43:58**
